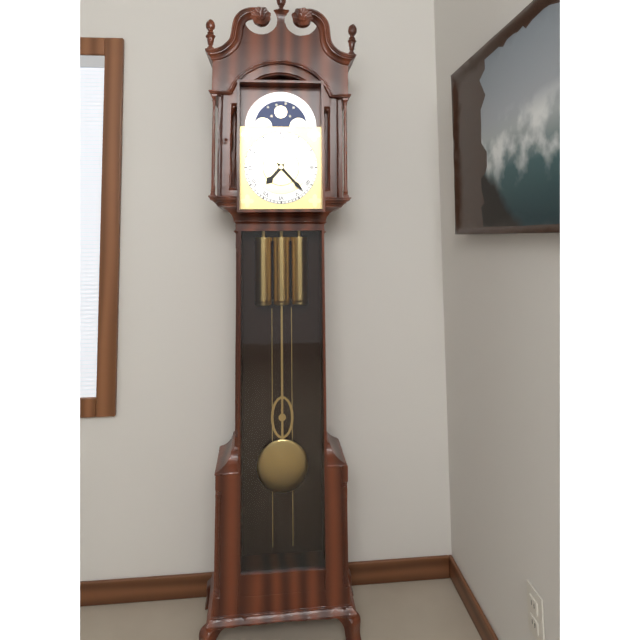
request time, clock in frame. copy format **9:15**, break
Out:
**7:23**
